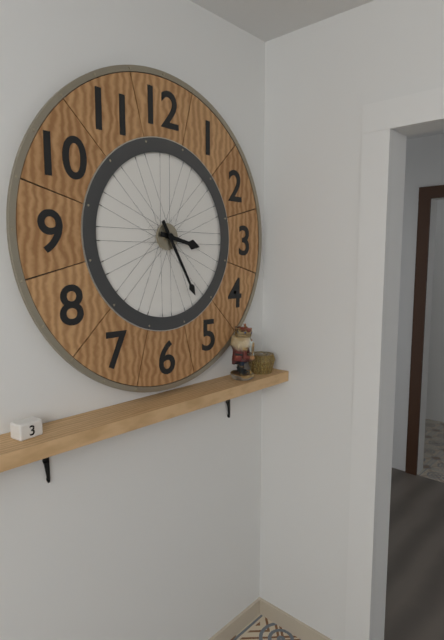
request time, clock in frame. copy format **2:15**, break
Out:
**3:25**
